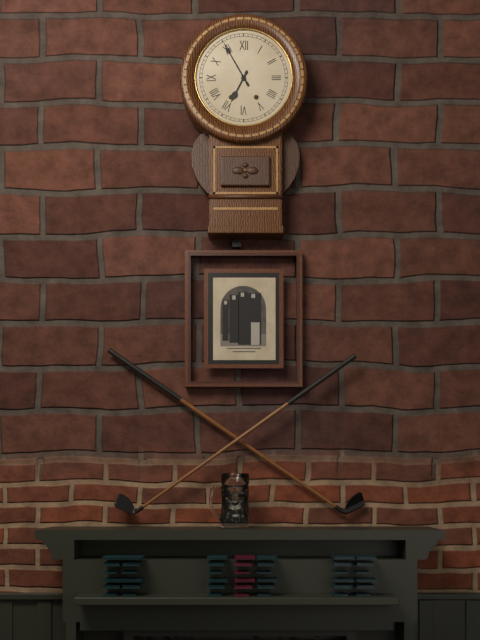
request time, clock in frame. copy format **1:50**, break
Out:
**6:55**
